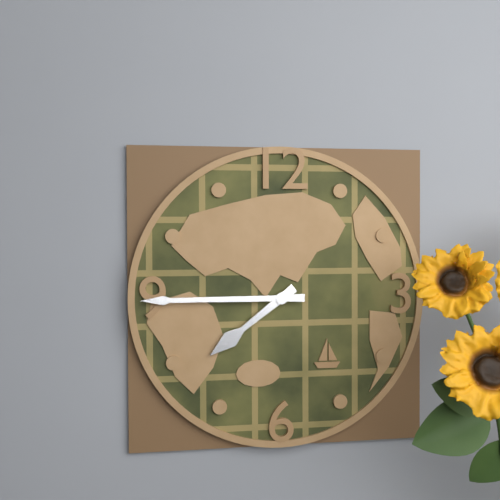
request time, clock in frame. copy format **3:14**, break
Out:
**7:45**
